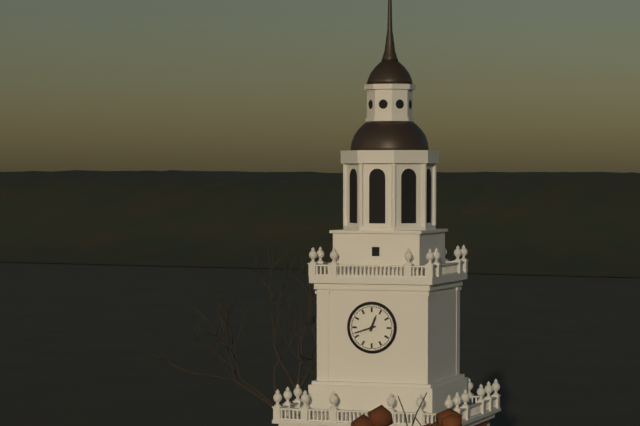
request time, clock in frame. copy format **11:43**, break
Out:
**12:42**
